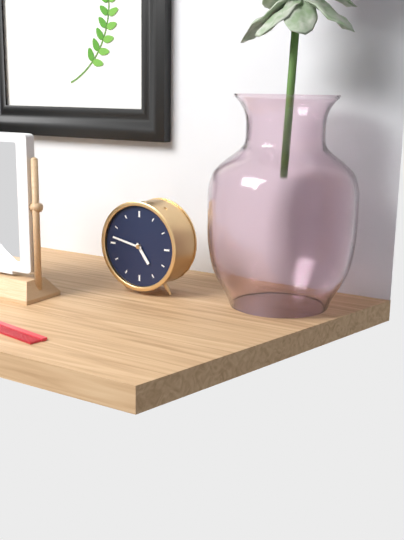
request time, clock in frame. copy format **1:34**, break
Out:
**4:47**
